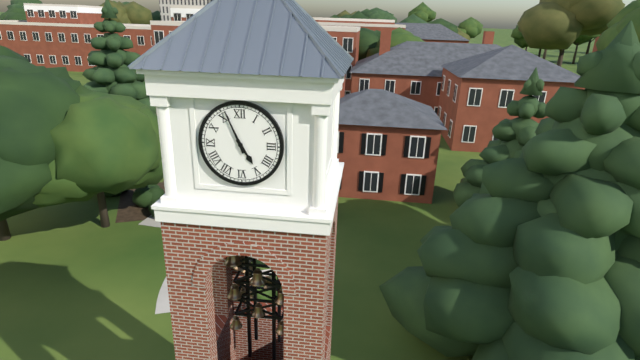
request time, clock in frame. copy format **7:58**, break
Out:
**4:56**
